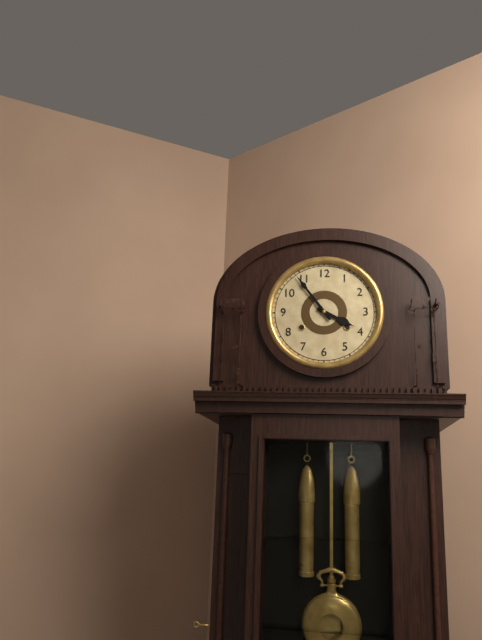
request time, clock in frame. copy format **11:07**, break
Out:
**3:54**
